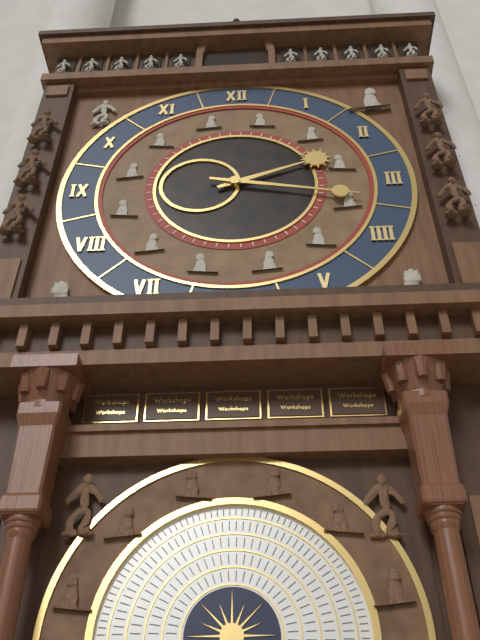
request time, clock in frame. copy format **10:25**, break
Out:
**2:17**
